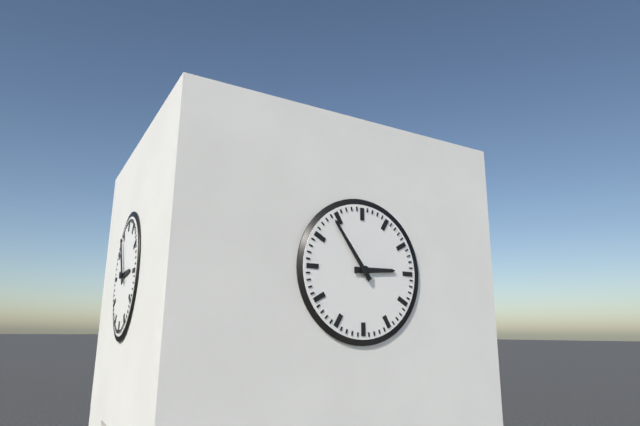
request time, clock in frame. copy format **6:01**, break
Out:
**2:54**
